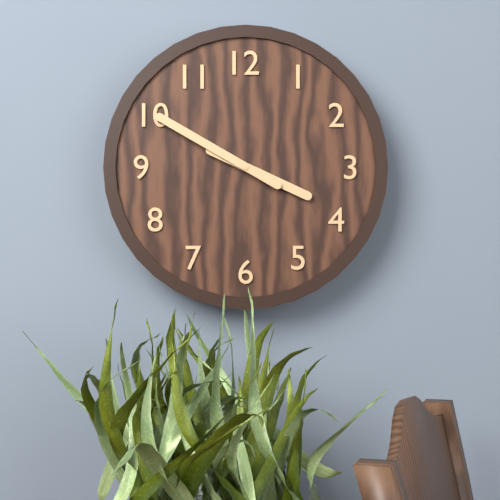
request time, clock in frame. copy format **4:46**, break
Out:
**3:50**
